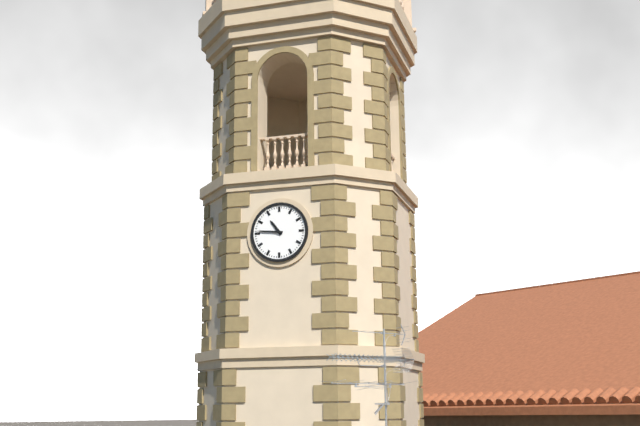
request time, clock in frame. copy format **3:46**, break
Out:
**10:46**
